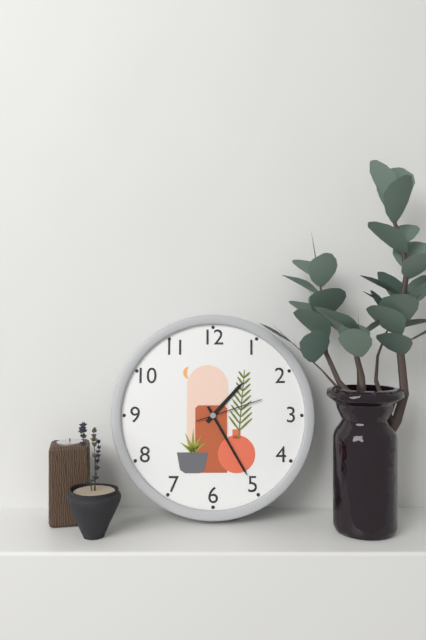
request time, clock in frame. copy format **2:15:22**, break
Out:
**1:25:12**
